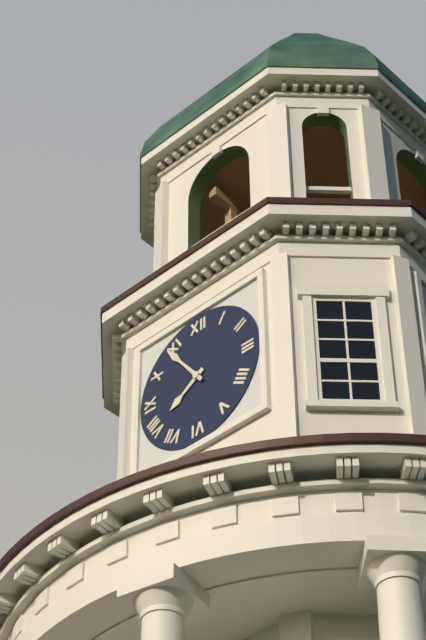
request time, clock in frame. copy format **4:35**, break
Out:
**7:54**
